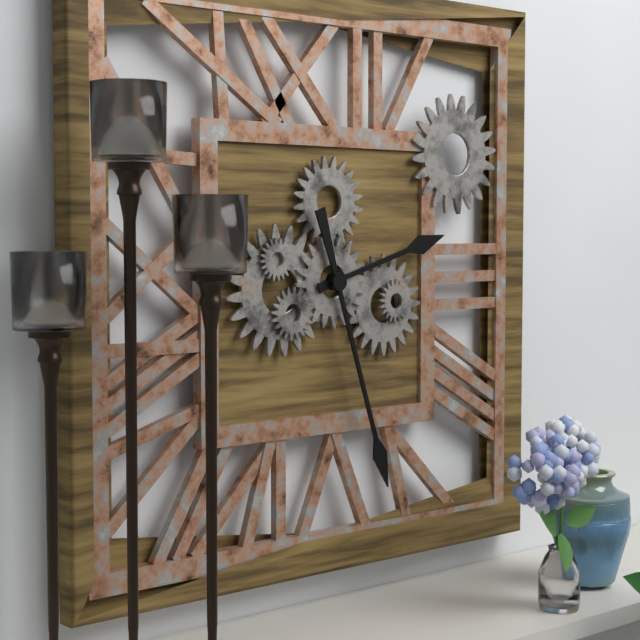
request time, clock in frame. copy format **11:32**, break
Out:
**2:27**
